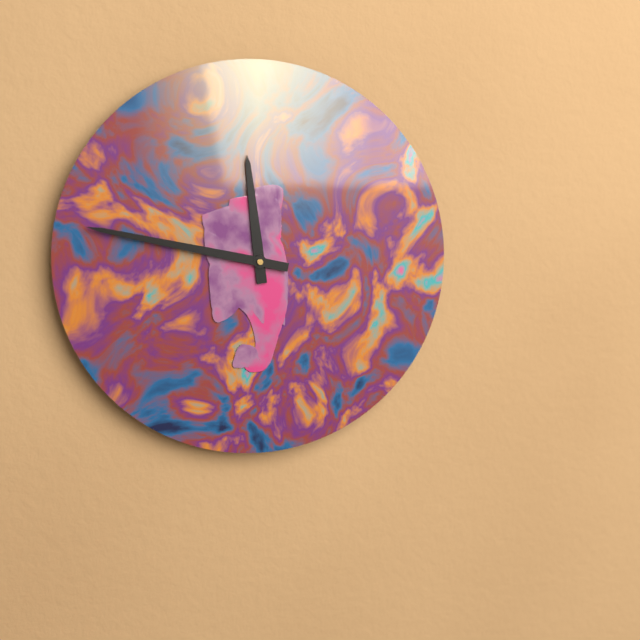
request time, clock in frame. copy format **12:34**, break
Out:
**11:47**
